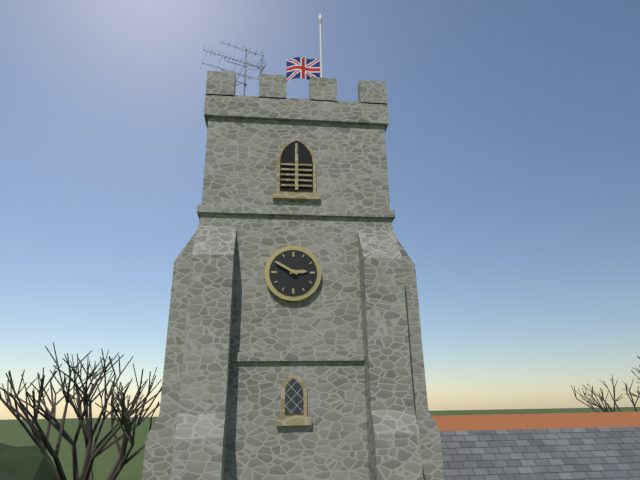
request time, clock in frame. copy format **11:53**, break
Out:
**2:50**
